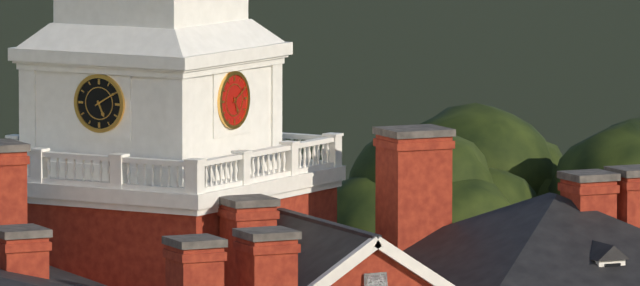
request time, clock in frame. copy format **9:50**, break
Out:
**5:10**
